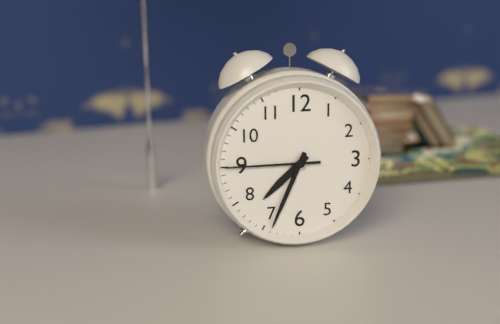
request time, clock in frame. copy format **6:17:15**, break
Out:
**7:34:45**
